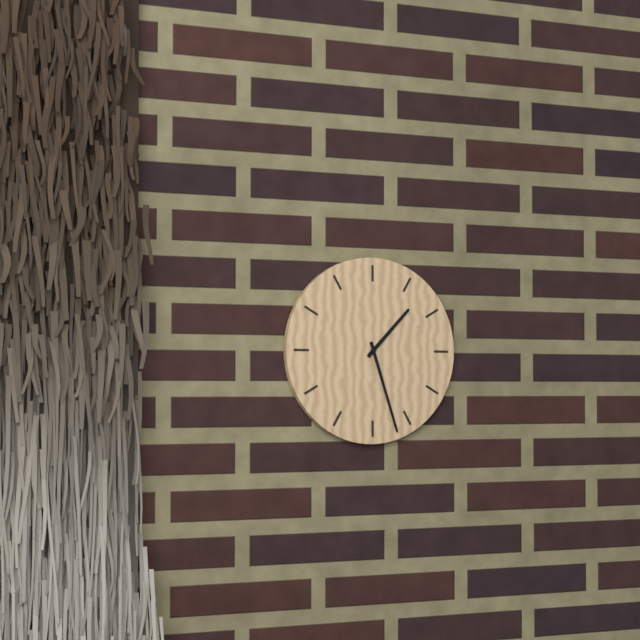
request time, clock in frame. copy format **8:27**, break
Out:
**1:27**
